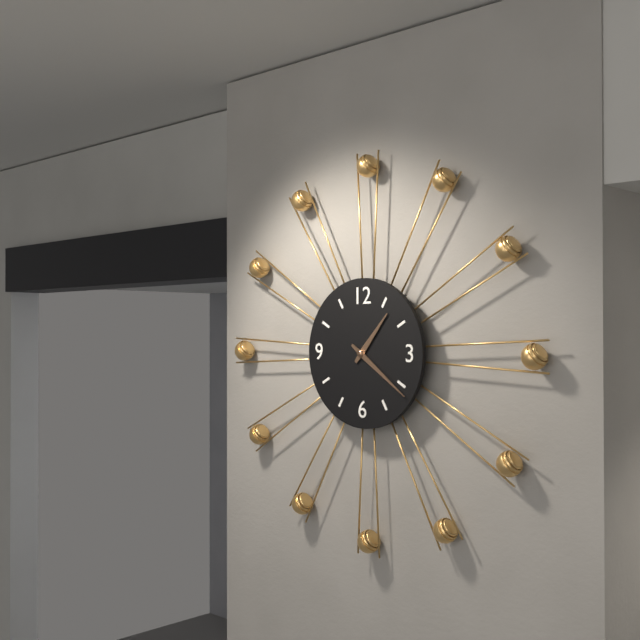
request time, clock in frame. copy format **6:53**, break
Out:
**1:21**
